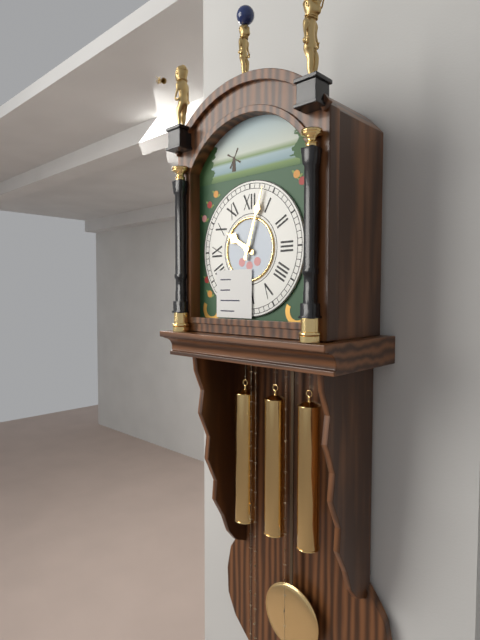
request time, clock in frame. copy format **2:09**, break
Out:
**10:03**
